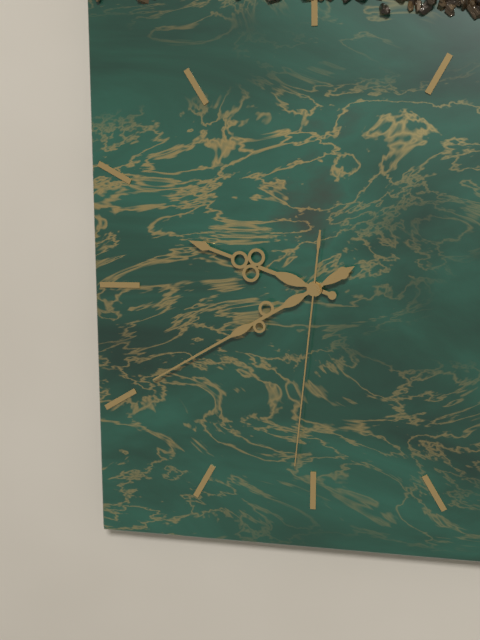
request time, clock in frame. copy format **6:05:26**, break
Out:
**9:40:31**
